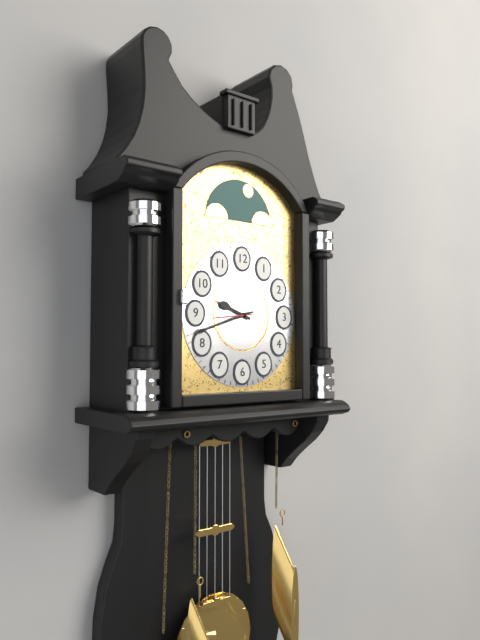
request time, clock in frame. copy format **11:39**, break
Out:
**9:42**
